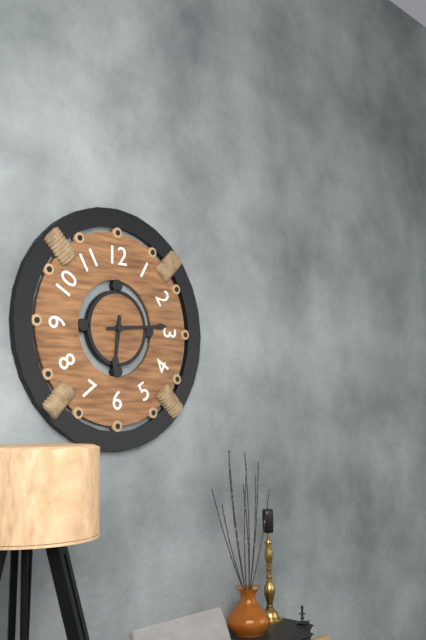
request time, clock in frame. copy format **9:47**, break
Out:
**6:14**
